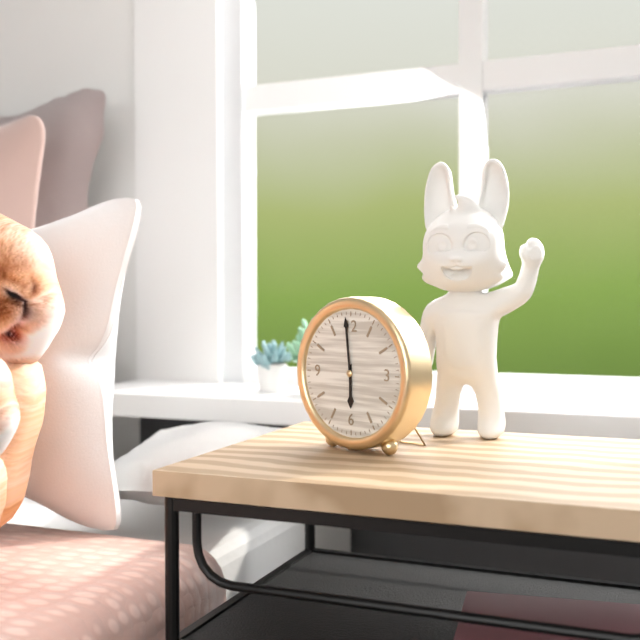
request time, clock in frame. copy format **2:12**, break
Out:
**5:59**
